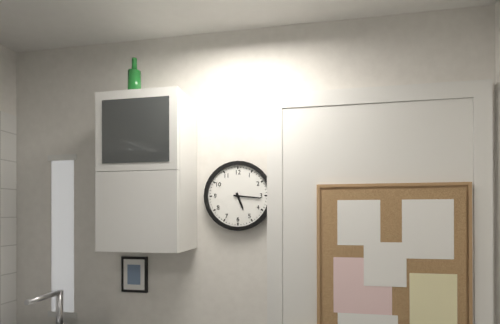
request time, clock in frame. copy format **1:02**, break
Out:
**5:16**
